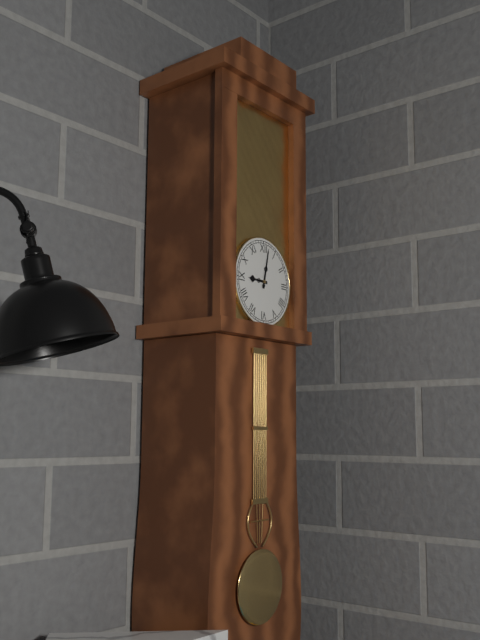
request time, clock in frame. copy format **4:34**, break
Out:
**9:02**
